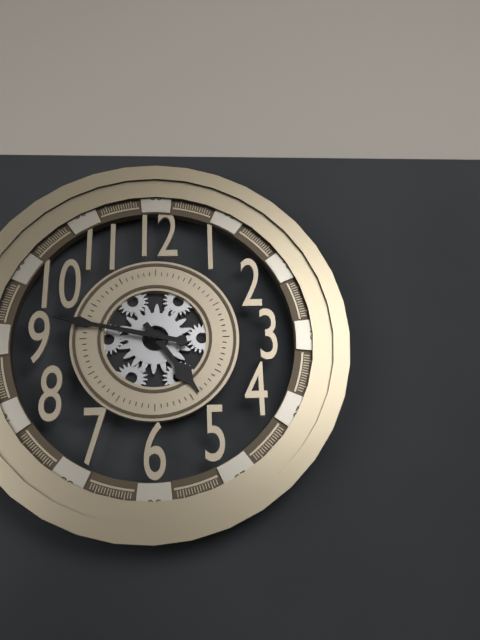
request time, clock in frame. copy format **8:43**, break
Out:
**4:47**
